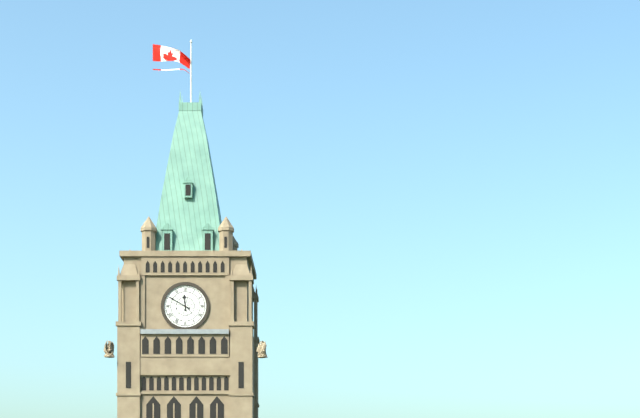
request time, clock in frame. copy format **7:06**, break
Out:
**11:50**
